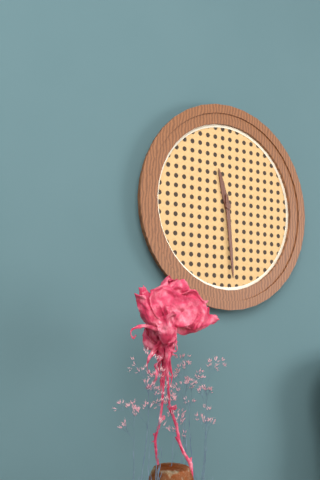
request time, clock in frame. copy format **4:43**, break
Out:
**11:29**
